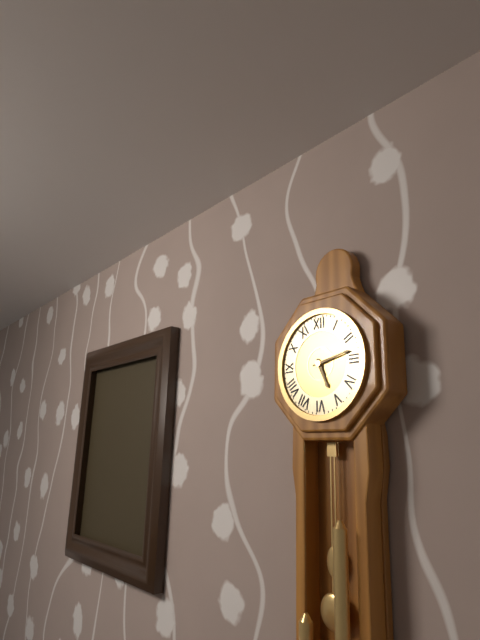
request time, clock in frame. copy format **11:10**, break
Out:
**5:13**
